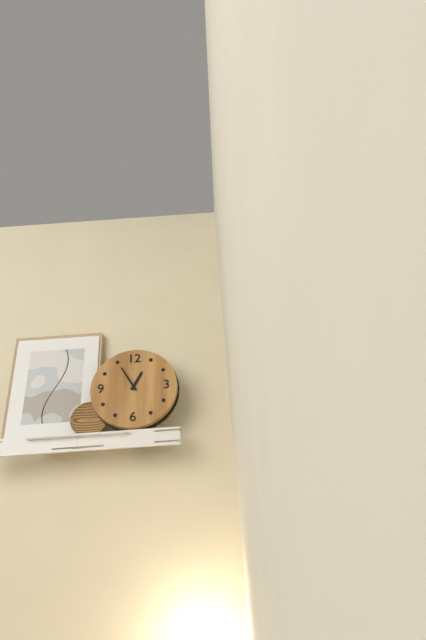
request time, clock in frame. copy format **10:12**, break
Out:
**12:55**
